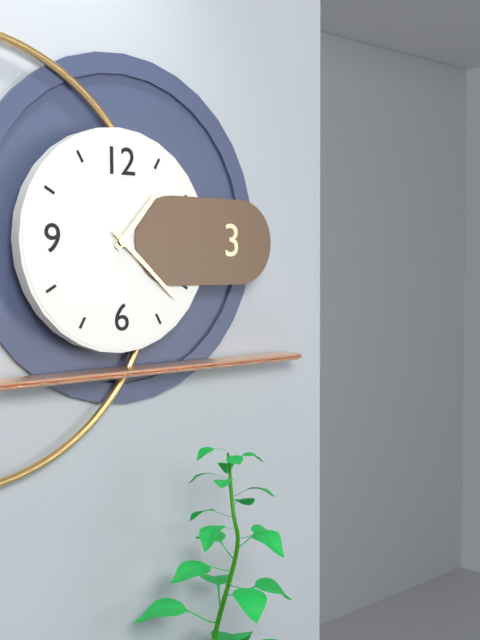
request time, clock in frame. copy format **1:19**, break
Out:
**1:22**
